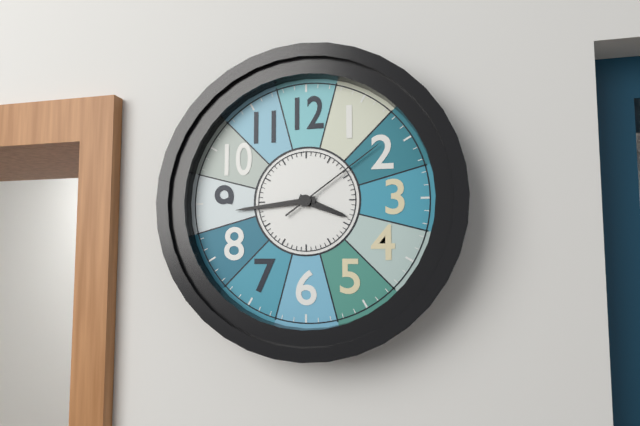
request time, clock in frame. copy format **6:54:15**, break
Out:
**3:44:09**
